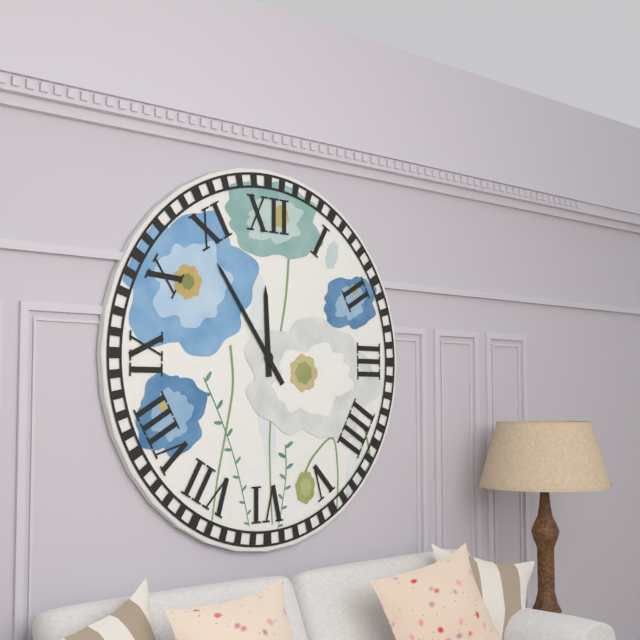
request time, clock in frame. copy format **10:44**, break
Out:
**11:54**
